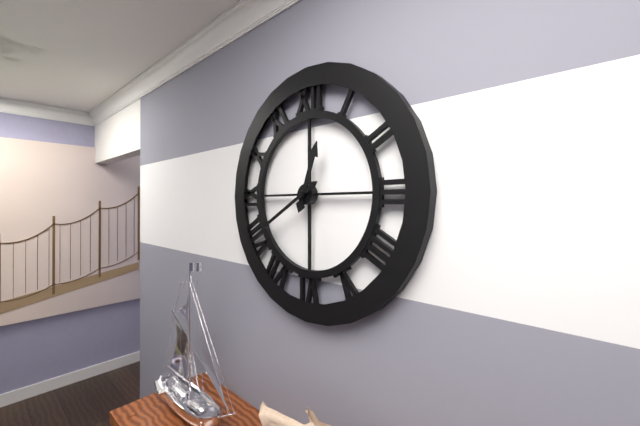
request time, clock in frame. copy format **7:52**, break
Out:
**12:40**
